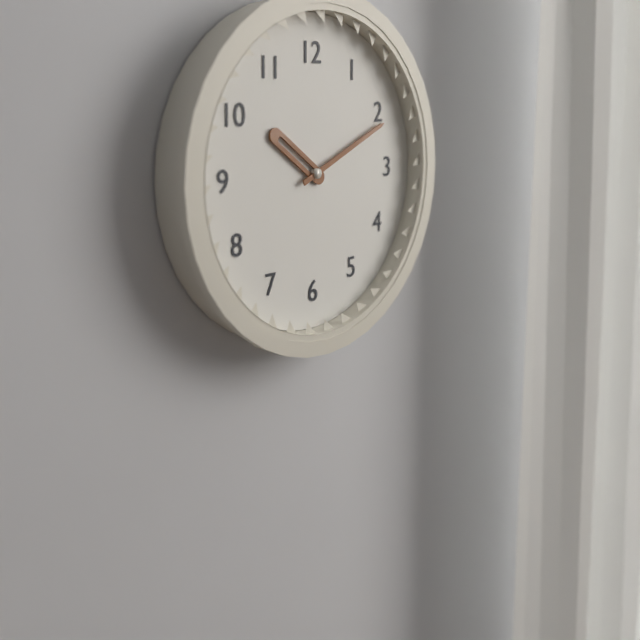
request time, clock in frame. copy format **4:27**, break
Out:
**10:11**
